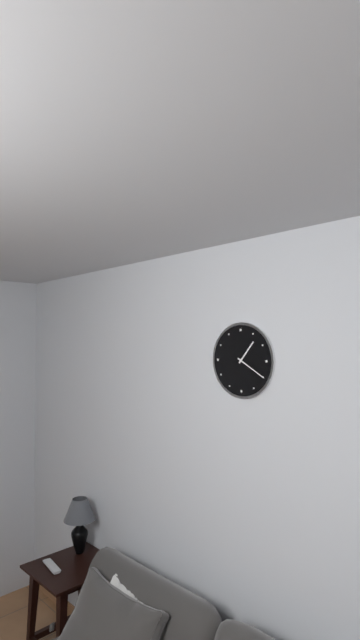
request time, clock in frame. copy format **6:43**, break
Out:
**1:20**
